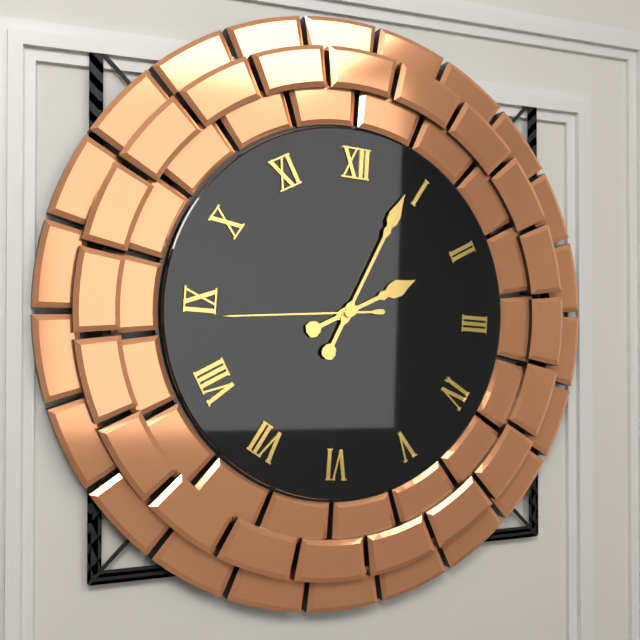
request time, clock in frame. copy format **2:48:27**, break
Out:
**2:04:44**
